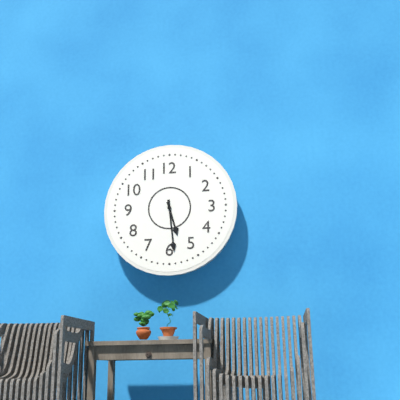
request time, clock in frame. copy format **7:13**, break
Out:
**5:29**
